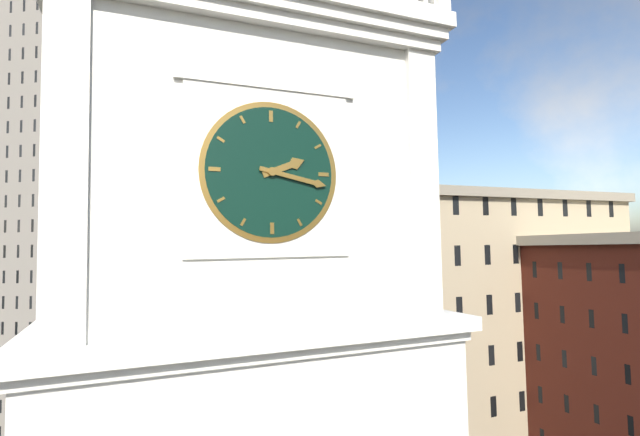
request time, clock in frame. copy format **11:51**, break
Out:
**2:17**
